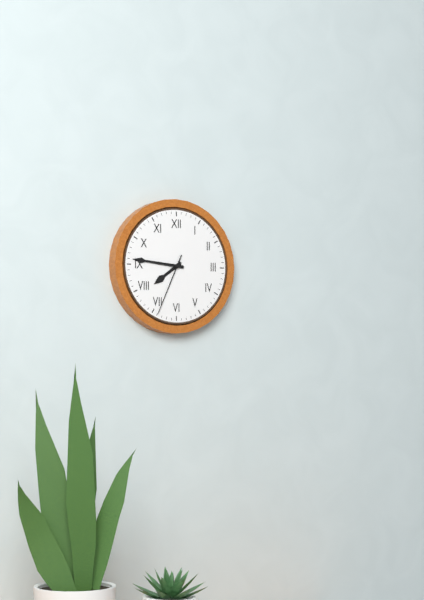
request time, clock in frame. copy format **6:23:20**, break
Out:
**7:46:34**
